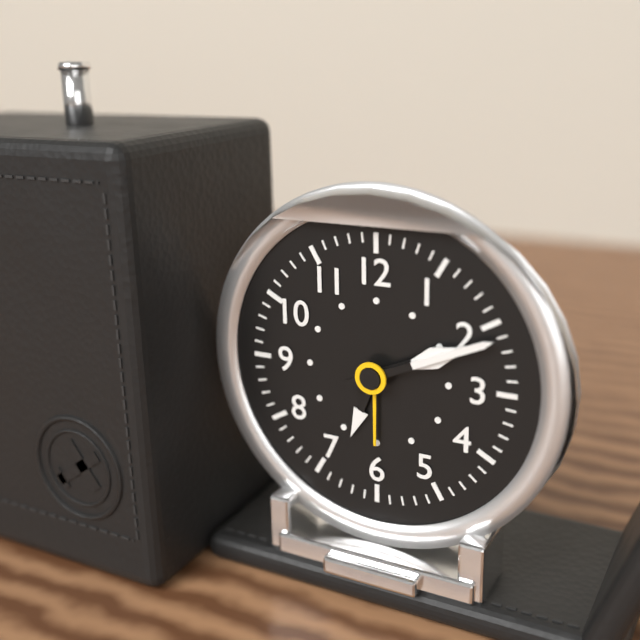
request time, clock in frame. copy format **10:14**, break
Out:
**2:11**
